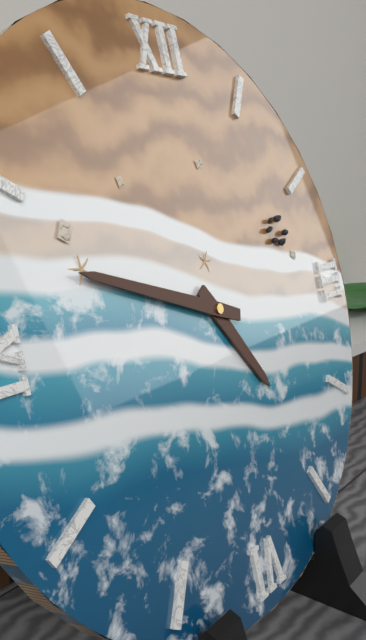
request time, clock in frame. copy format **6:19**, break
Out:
**4:48**
